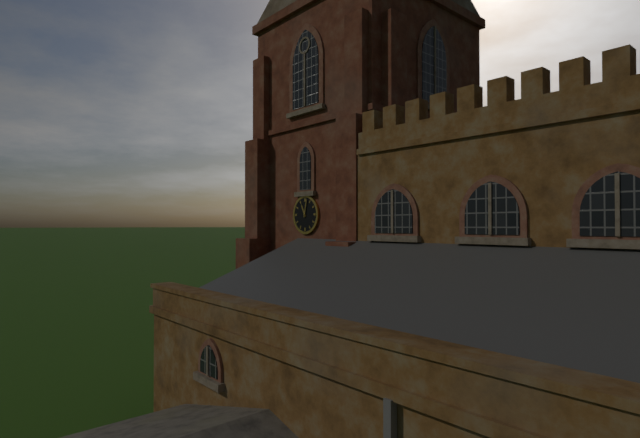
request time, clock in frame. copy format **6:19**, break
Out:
**11:02**
